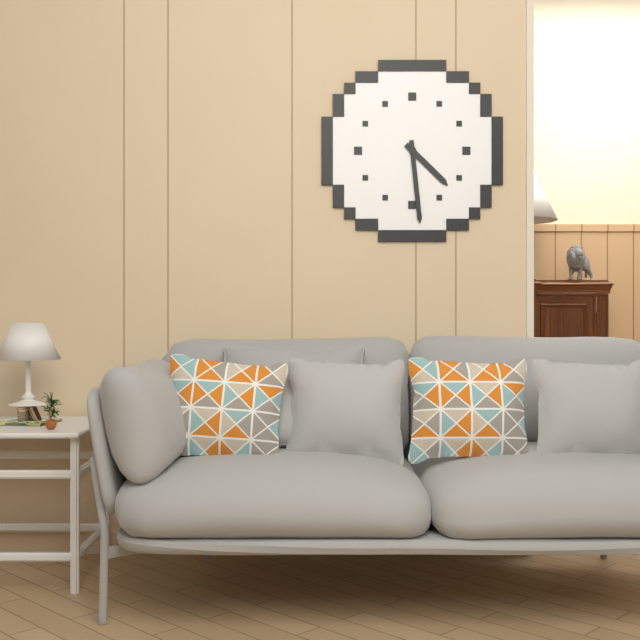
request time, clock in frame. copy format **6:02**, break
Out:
**4:29**
